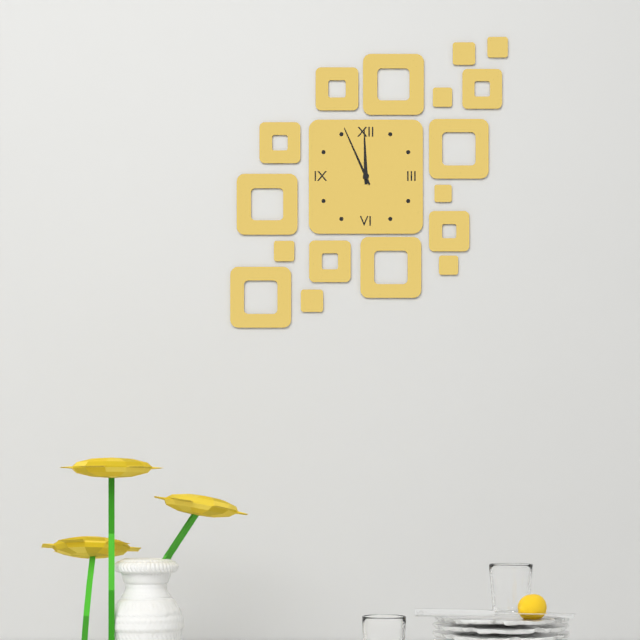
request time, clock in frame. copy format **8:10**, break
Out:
**11:56**
